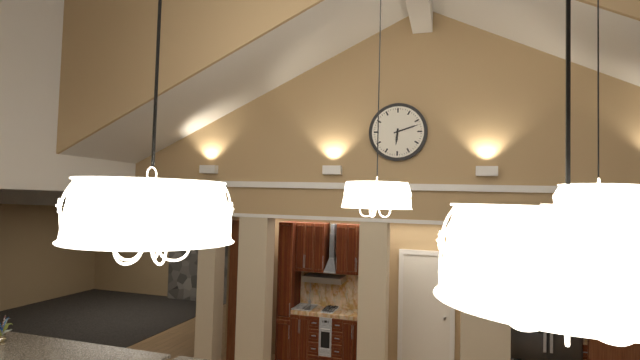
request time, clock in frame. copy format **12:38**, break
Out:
**6:12**
